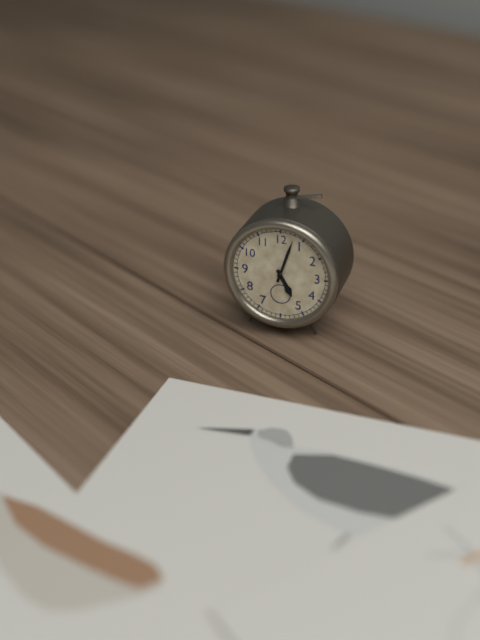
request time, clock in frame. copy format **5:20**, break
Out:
**5:03**
